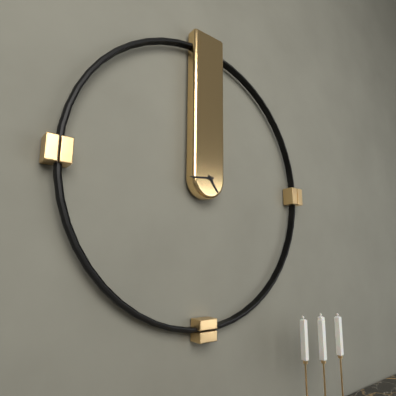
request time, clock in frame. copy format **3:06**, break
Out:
**4:44**
